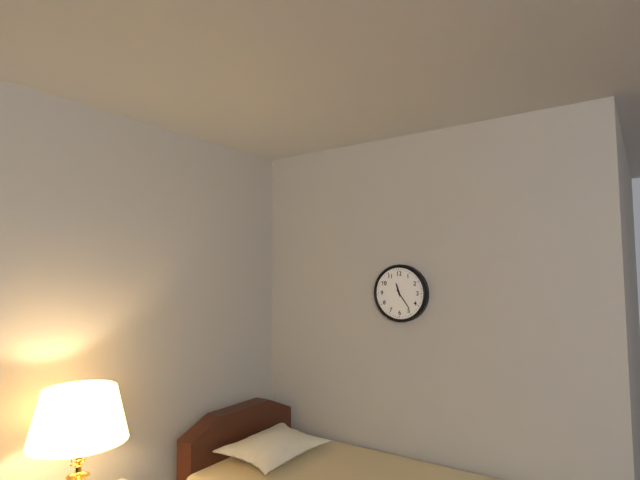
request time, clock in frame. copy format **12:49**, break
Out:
**11:24**
